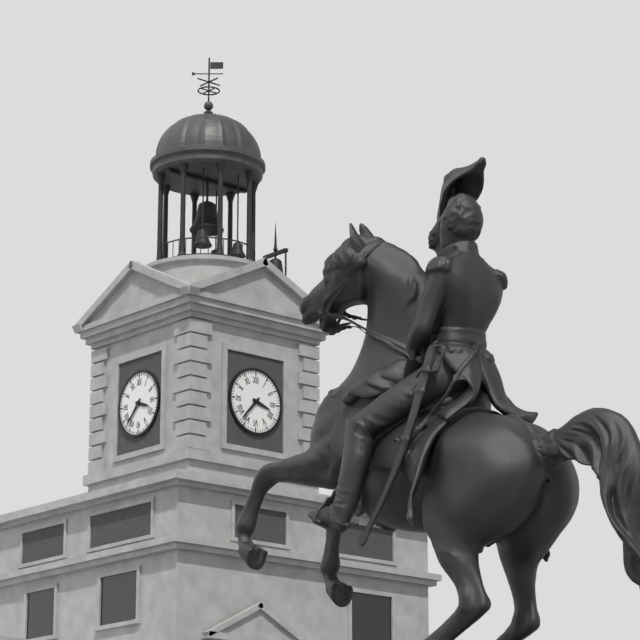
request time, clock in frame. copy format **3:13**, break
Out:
**3:37**
